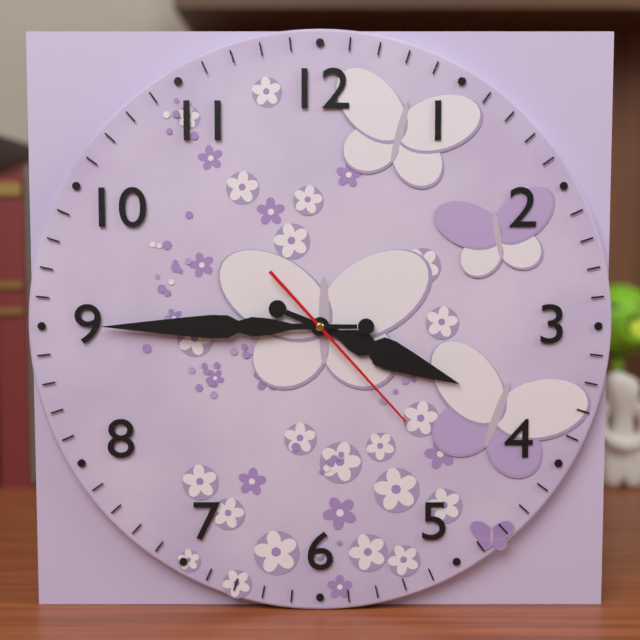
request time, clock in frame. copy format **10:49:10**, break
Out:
**3:45:23**
